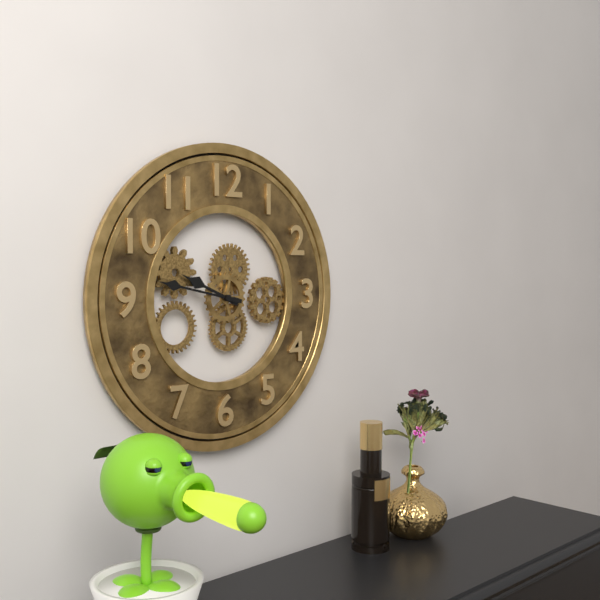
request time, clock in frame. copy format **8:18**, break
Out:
**9:47**
